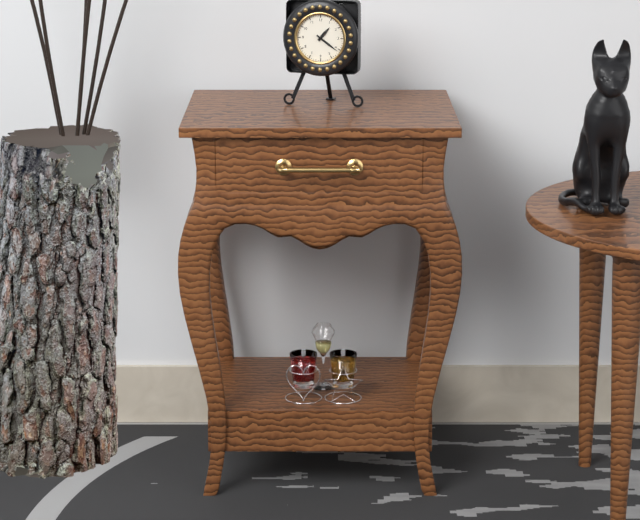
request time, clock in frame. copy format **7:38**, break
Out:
**1:21**
